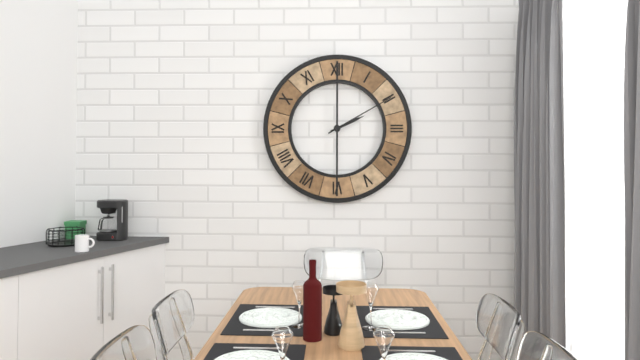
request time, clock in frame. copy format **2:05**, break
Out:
**2:10**
